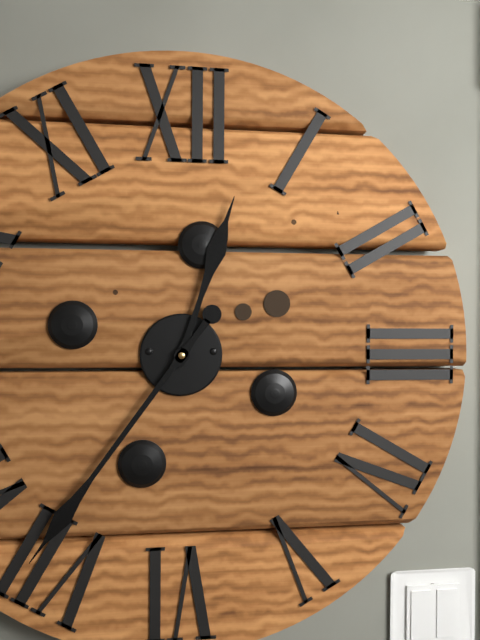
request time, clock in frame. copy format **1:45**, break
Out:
**12:36**
